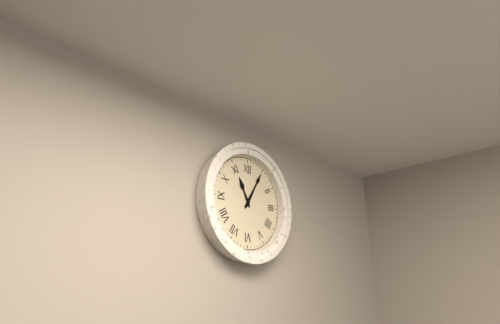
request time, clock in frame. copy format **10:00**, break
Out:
**11:05**
